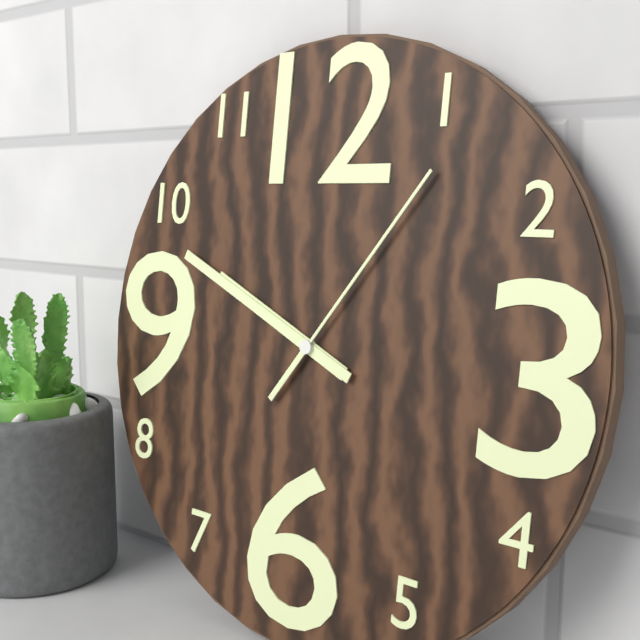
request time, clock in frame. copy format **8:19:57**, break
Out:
**9:49:06**
